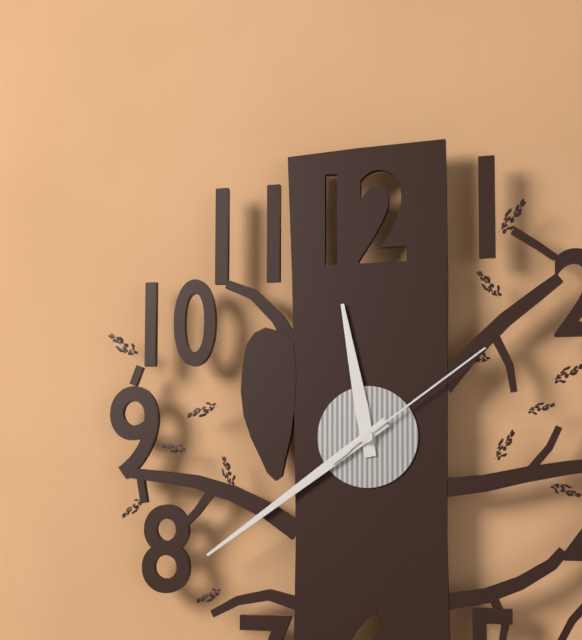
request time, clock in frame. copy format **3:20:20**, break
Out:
**11:39:09**
